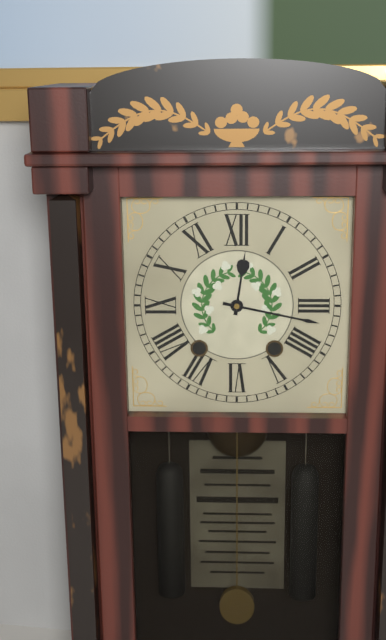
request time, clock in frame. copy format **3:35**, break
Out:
**12:17**
